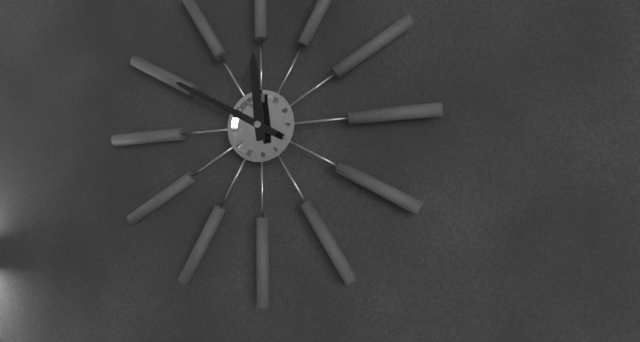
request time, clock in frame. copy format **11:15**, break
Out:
**11:50**
